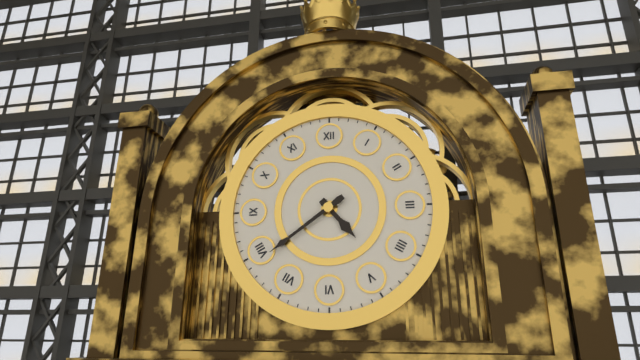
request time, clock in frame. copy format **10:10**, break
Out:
**4:39**
